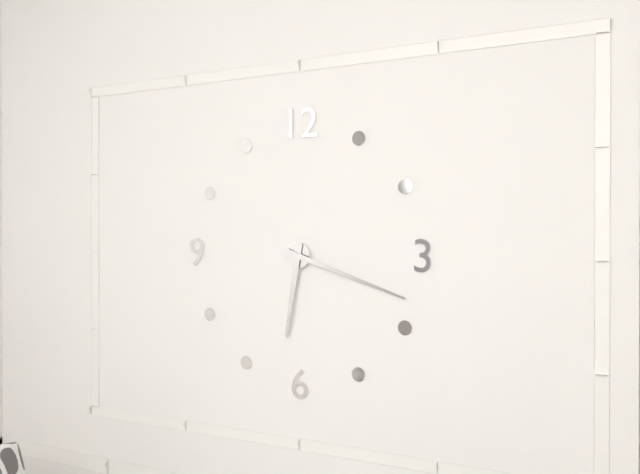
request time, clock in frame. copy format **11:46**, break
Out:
**6:18**
